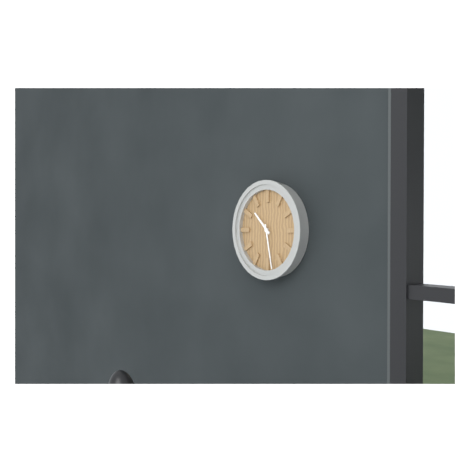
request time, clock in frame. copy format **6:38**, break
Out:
**10:28**
